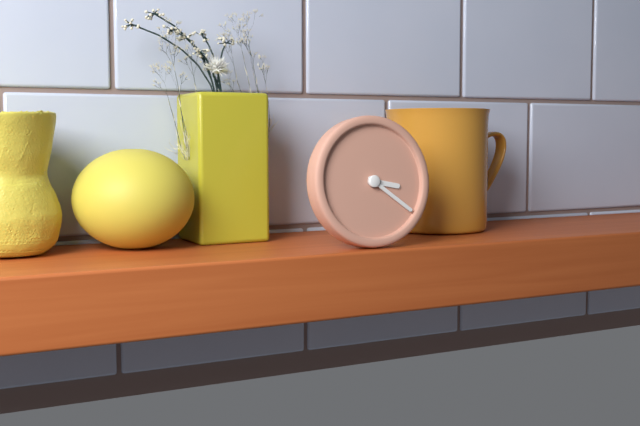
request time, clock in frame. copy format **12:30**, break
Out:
**3:21**
